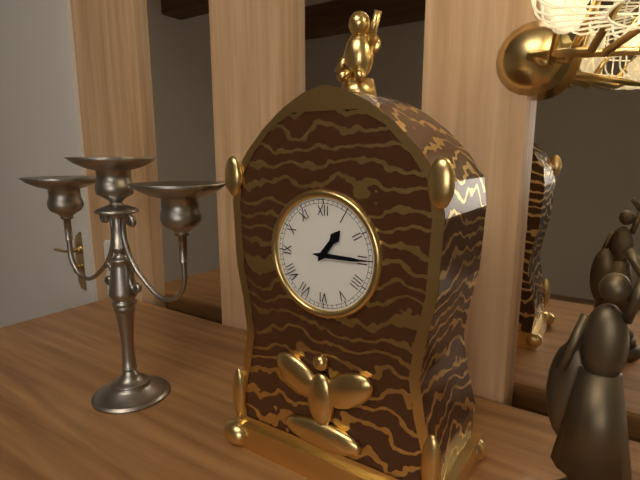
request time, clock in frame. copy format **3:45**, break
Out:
**1:15**
